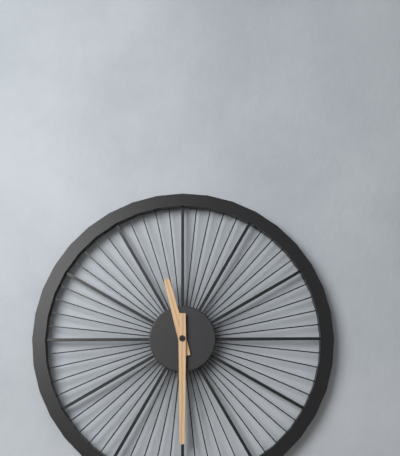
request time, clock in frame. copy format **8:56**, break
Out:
**11:30**
